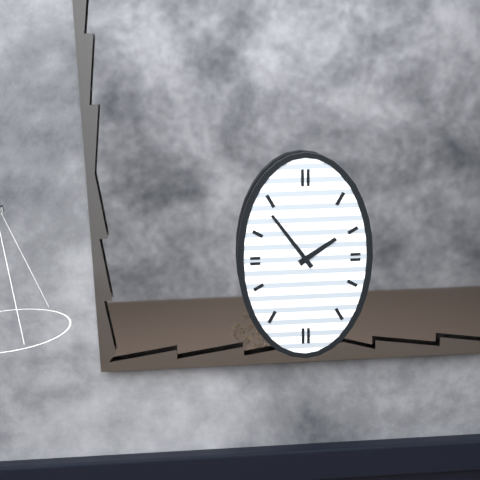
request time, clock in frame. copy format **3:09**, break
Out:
**1:54**
